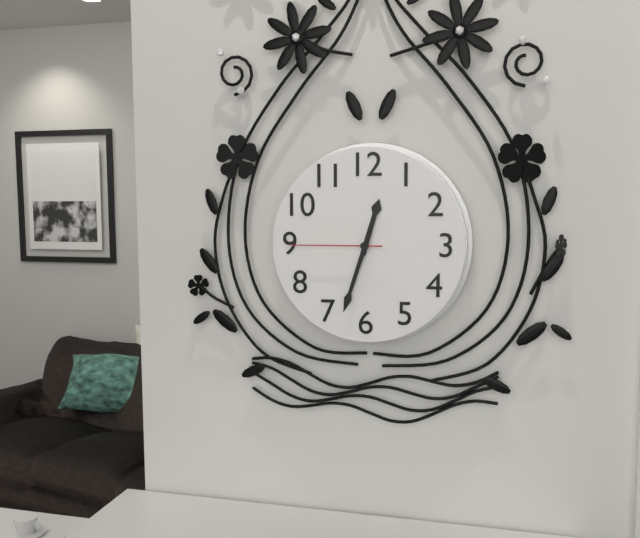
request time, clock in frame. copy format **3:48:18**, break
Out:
**12:33:45**
